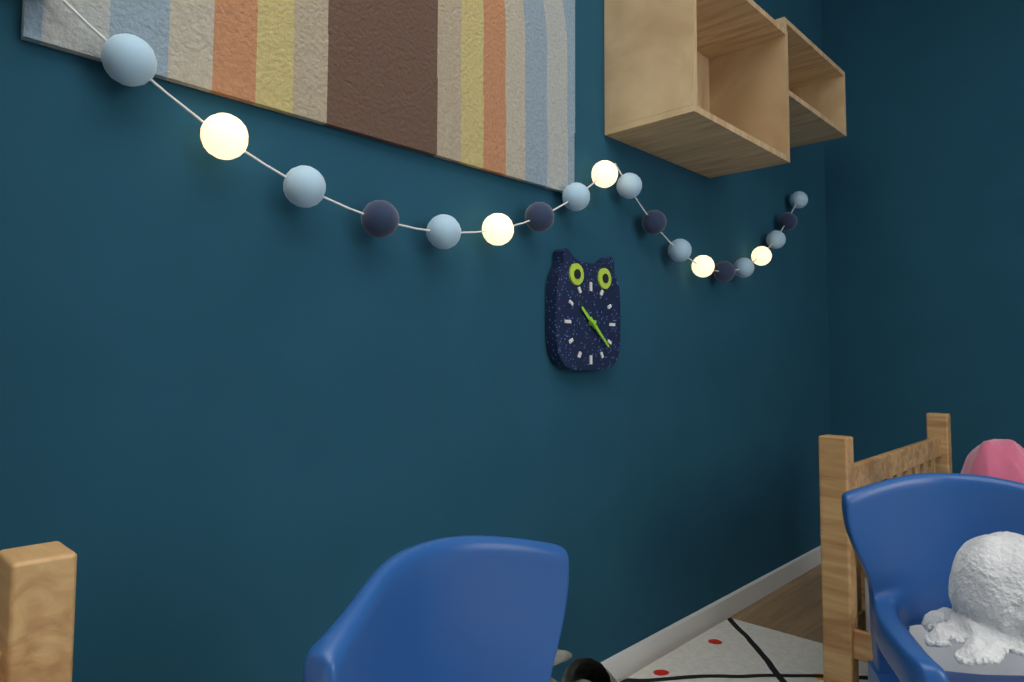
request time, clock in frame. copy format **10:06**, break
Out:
**10:22**
